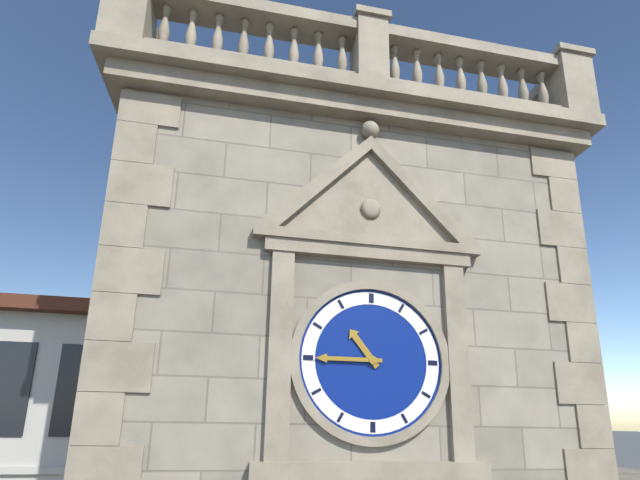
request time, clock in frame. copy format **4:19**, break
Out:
**10:45**
